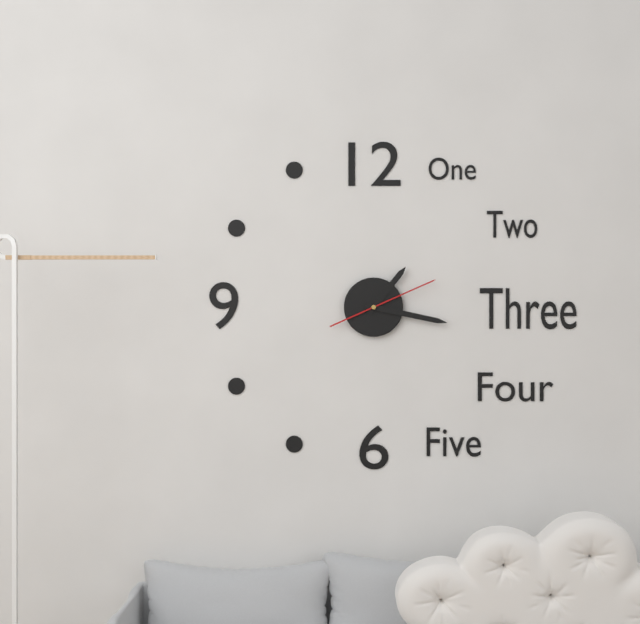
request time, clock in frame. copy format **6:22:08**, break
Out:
**1:17:11**
